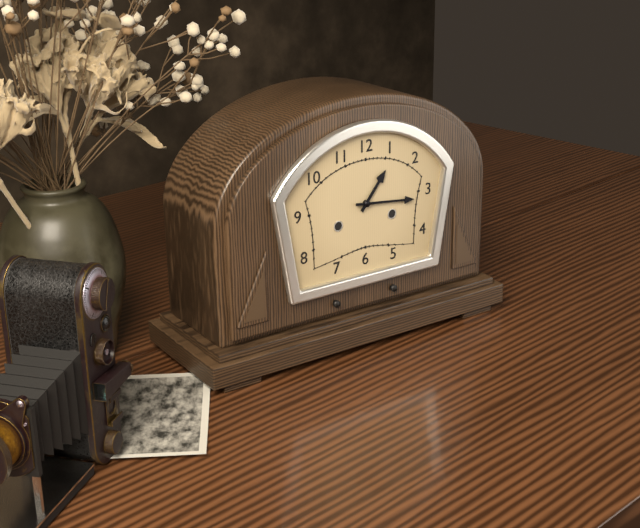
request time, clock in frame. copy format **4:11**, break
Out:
**1:16**
